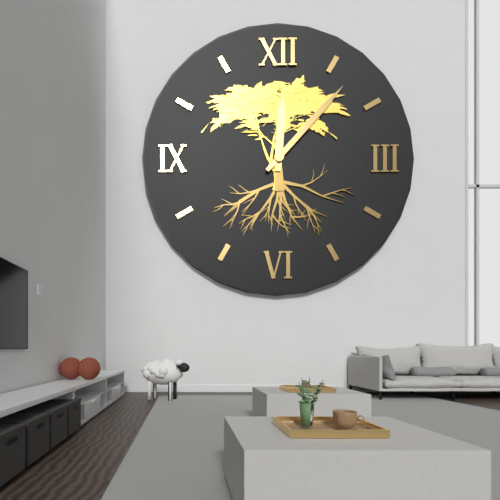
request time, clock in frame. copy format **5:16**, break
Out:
**12:07**
